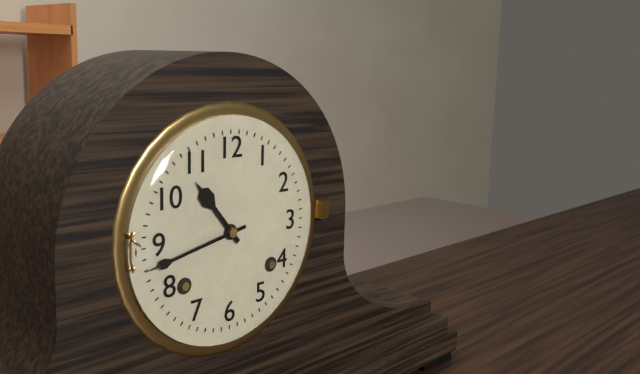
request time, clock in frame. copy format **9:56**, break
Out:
**10:43**
